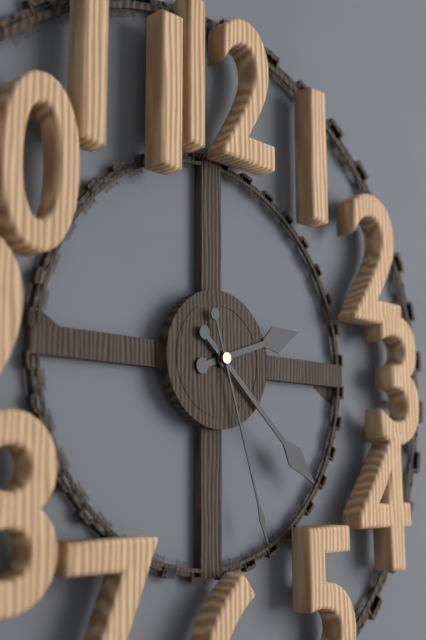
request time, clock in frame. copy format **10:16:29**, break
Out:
**2:22:27**
